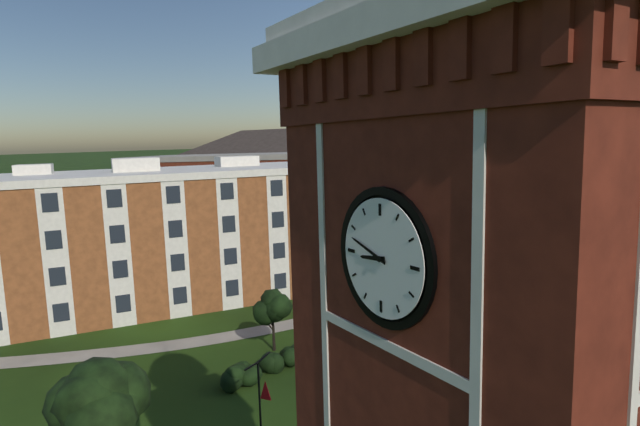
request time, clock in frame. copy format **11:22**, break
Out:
**8:48**
